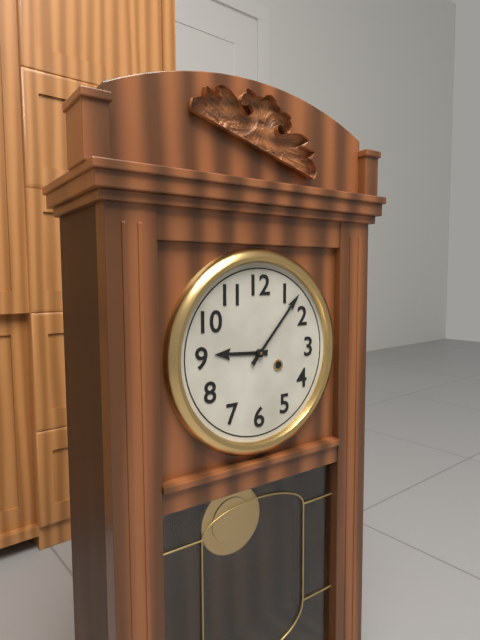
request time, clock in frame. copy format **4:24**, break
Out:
**9:07**
